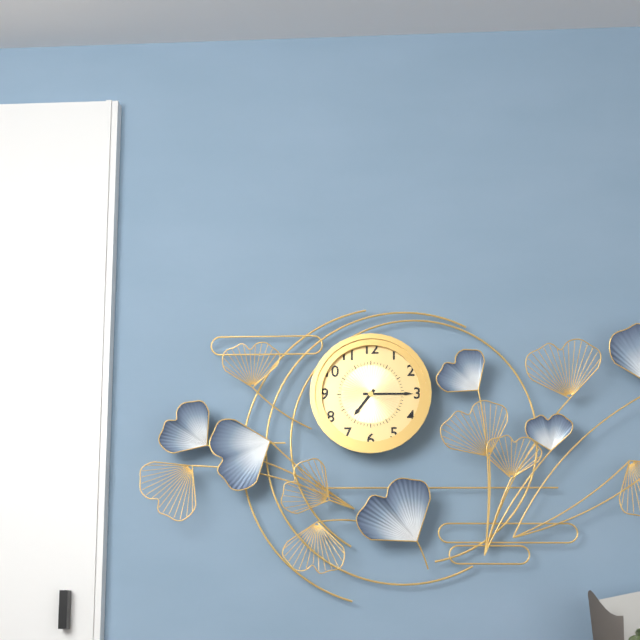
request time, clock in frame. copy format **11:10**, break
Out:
**7:15**
